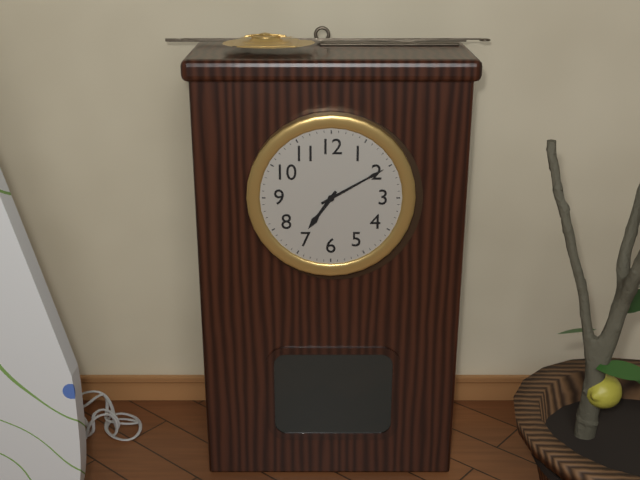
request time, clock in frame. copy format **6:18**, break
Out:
**7:10**
